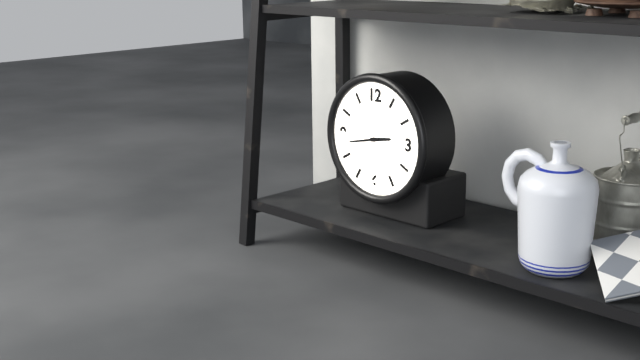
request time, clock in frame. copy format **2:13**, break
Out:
**2:43**
